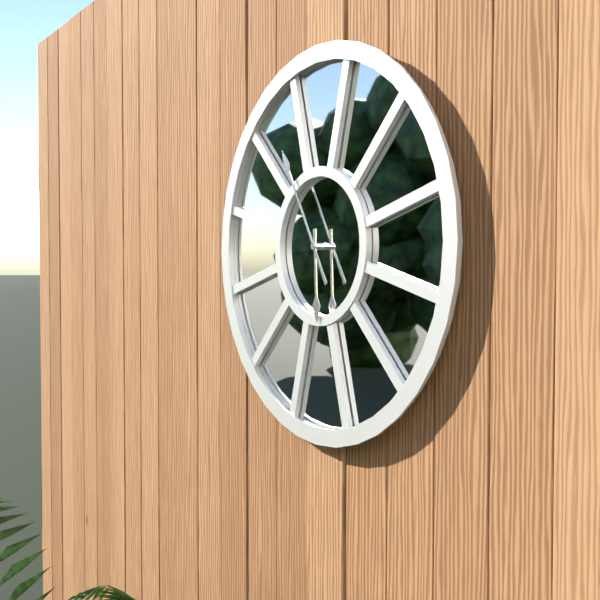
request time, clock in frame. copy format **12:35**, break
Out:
**5:55**
